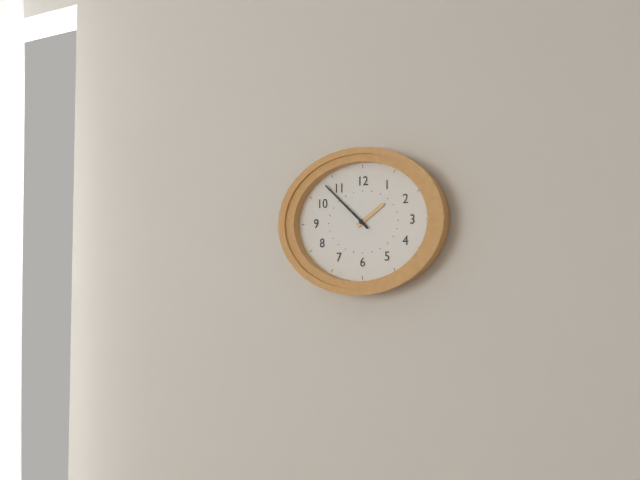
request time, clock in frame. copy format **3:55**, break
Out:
**1:52**
